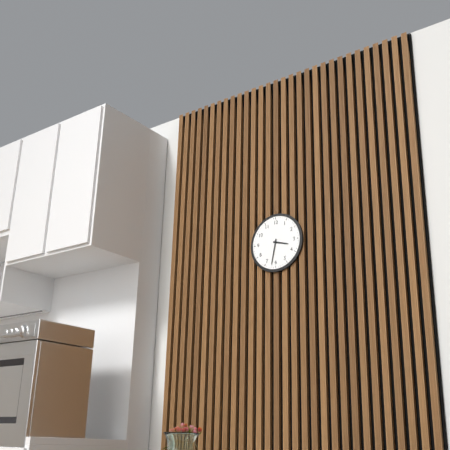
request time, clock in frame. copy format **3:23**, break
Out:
**3:32**
